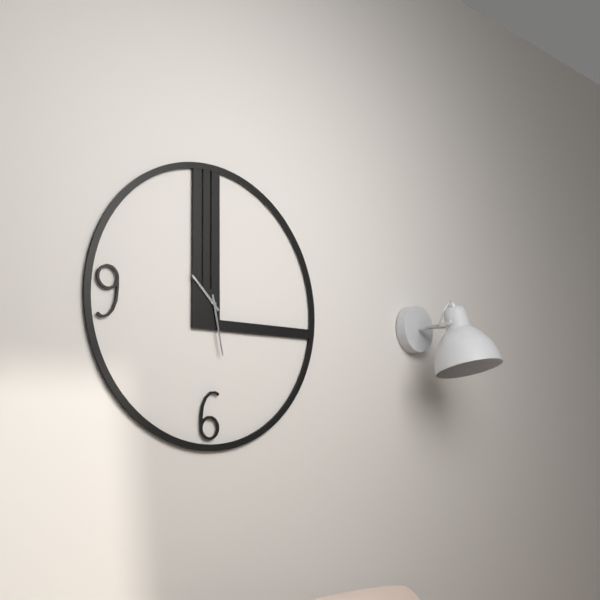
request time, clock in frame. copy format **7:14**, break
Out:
**10:28**
